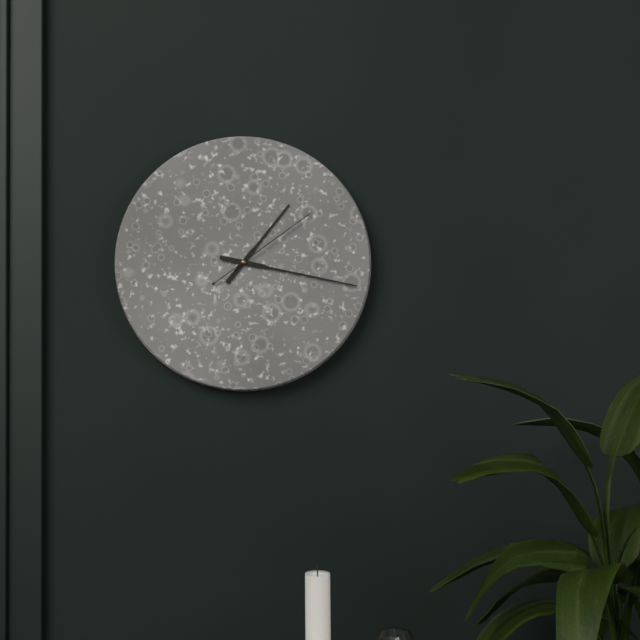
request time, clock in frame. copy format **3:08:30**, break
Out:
**1:17:09**
